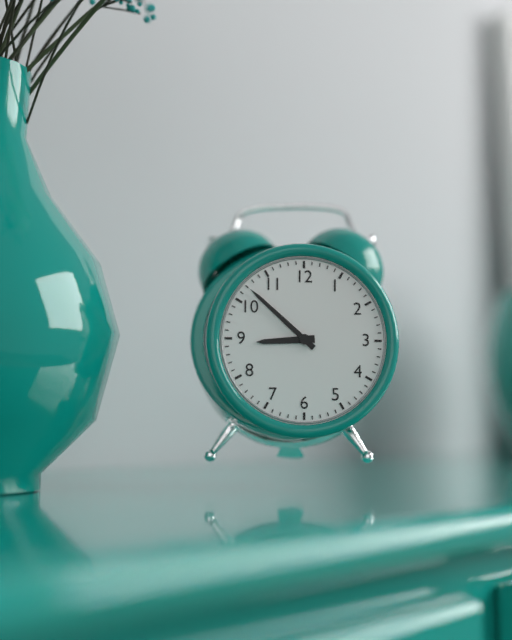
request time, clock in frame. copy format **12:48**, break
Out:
**8:52**
